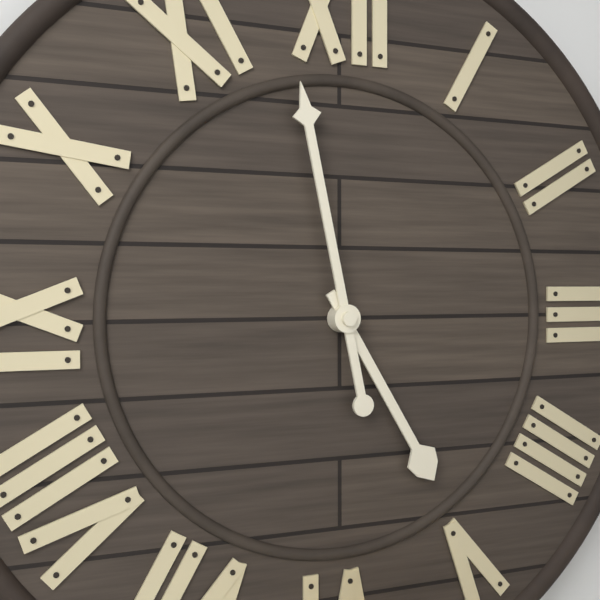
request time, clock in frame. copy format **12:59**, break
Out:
**4:58**
